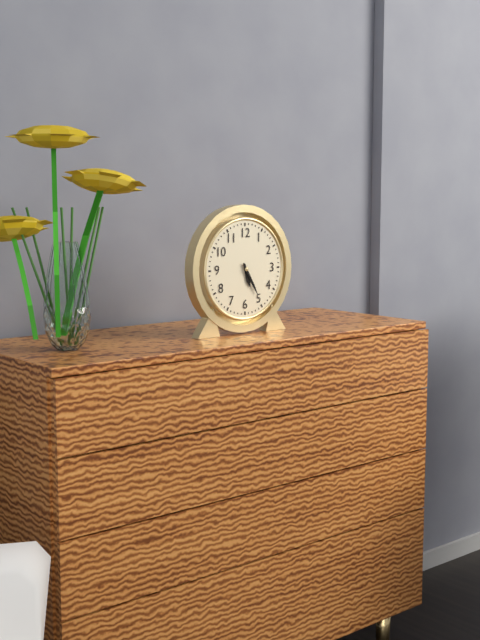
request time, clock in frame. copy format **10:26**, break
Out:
**5:25**
